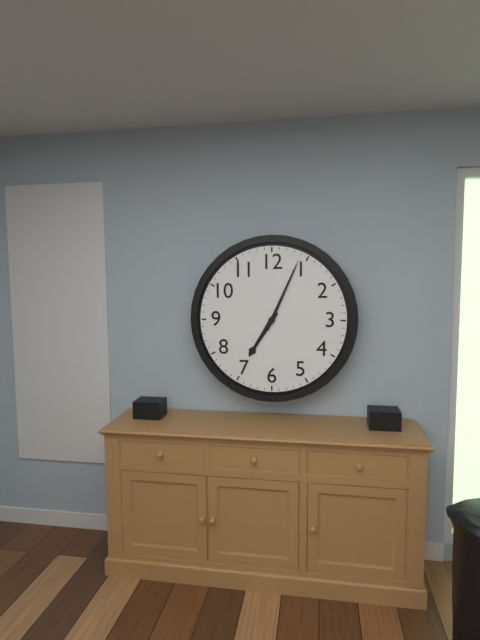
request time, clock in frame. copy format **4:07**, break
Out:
**7:04**
